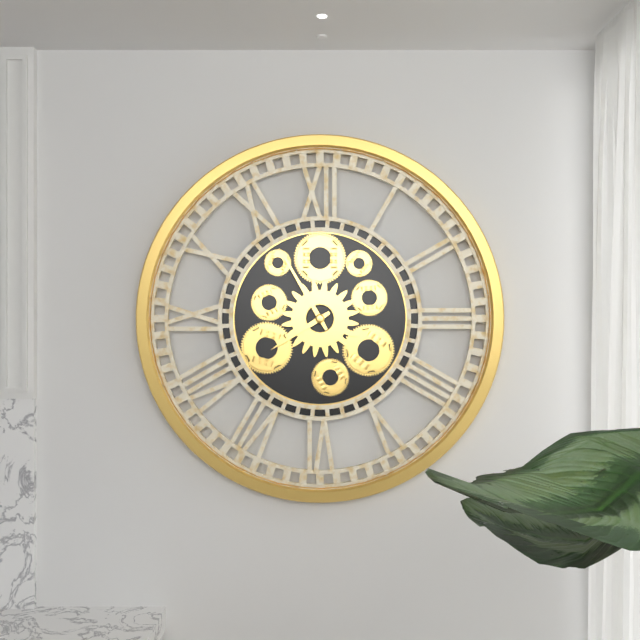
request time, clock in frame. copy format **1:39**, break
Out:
**7:55**
